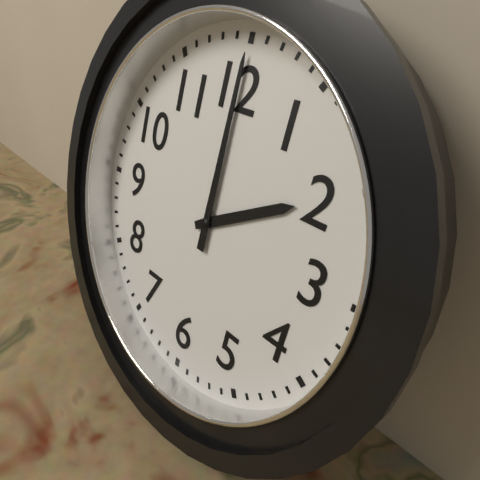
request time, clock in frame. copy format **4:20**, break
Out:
**2:00**
